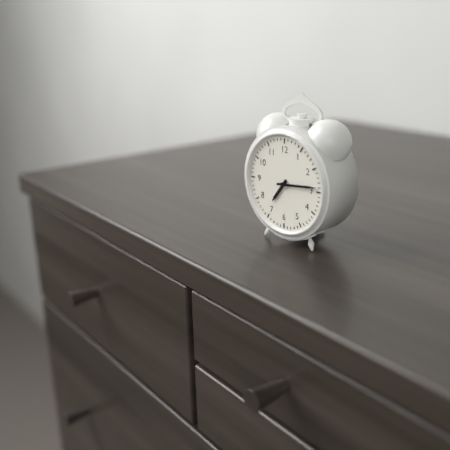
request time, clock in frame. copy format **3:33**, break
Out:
**7:14**
